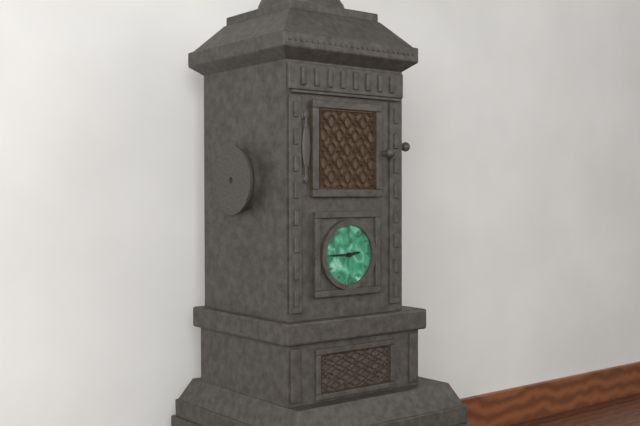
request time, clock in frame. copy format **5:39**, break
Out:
**2:45**
